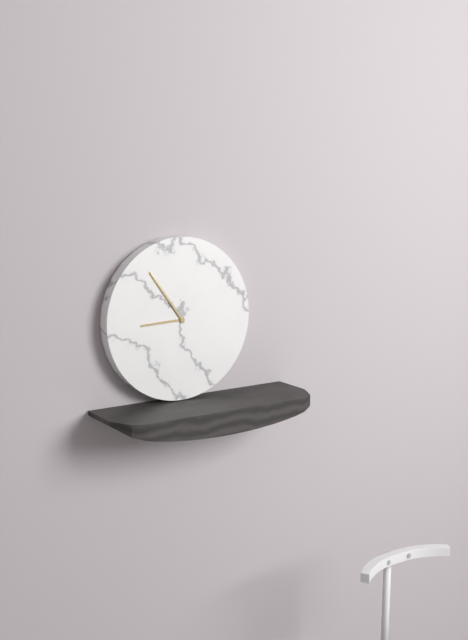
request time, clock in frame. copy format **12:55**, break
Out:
**8:54**
